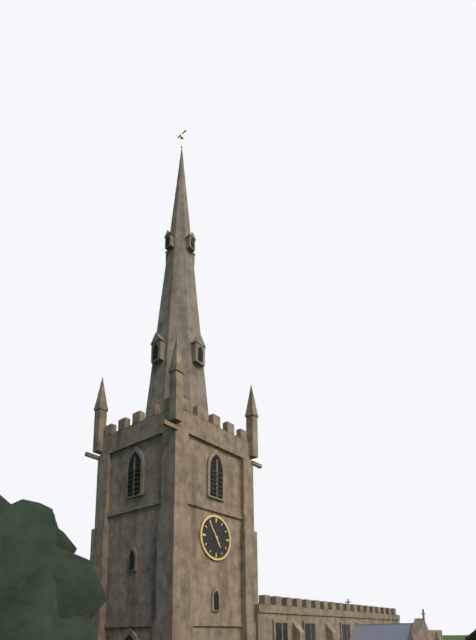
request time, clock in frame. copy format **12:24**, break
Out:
**4:54**
